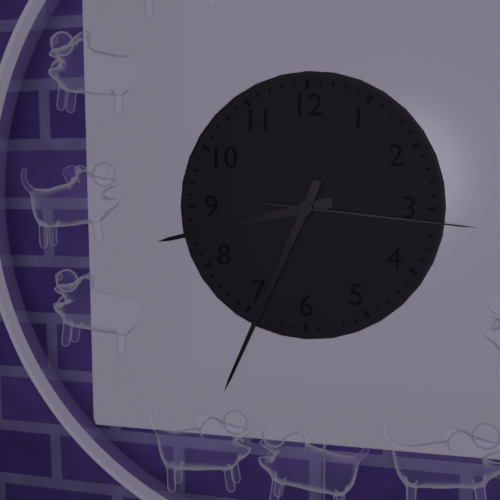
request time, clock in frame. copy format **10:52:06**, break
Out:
**8:34:16**
